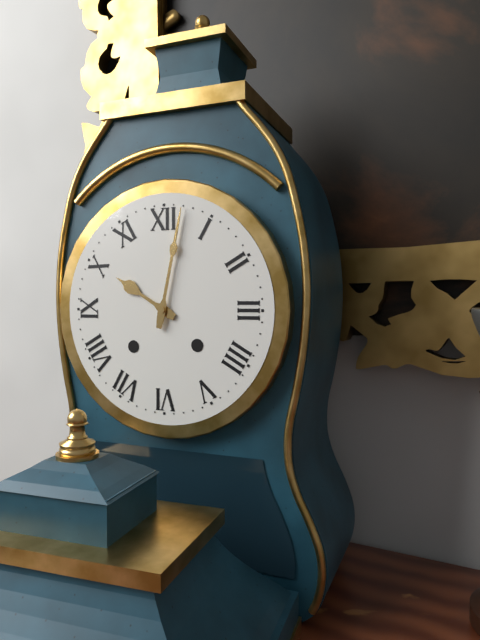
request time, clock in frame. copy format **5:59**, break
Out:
**10:02**
